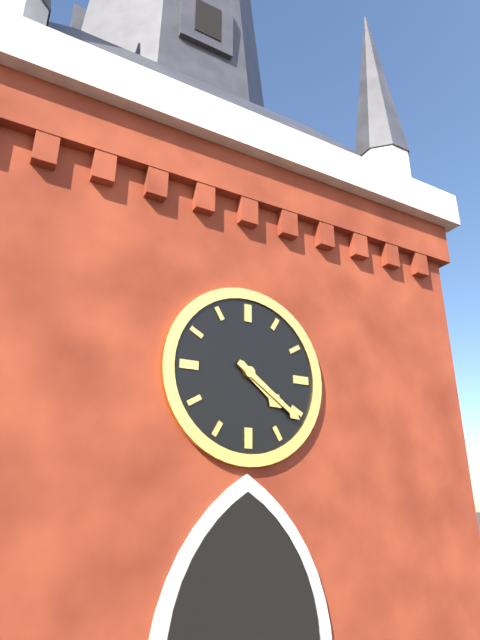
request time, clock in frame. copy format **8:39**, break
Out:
**4:21**
